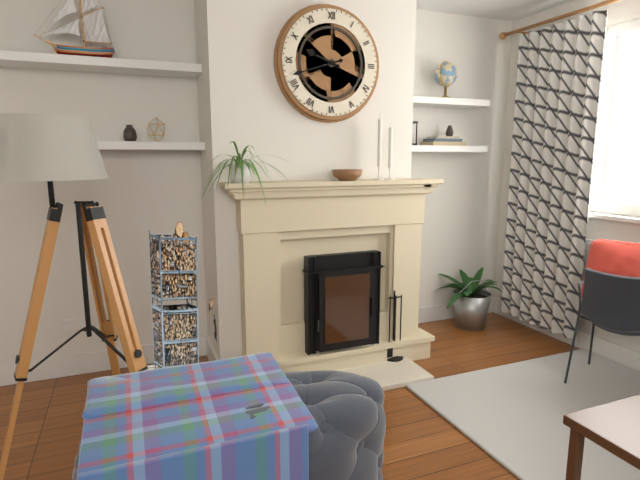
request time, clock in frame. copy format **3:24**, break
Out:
**9:42**
